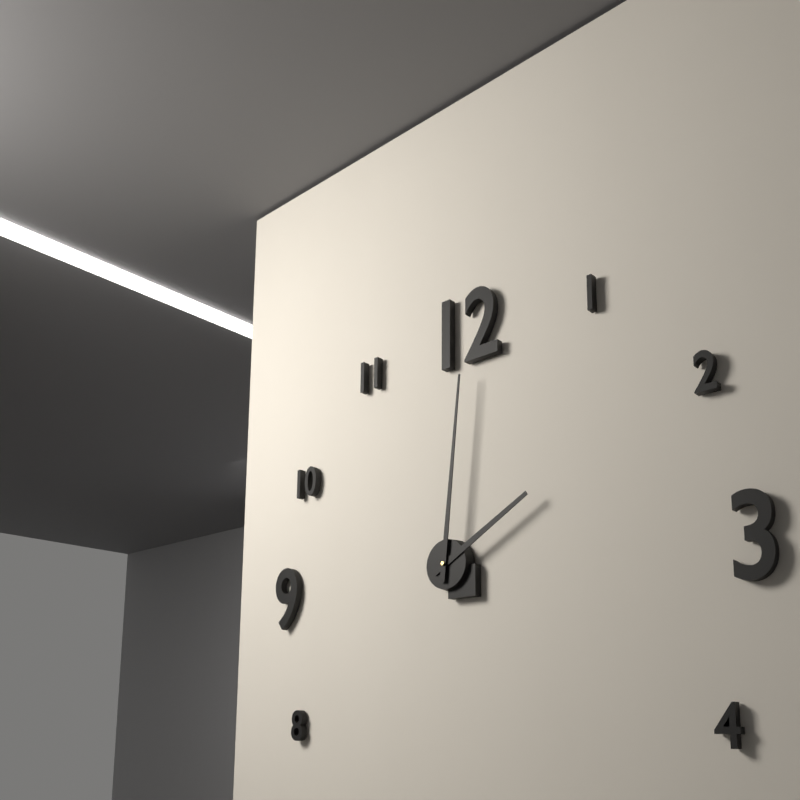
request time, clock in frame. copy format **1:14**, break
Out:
**2:01**
